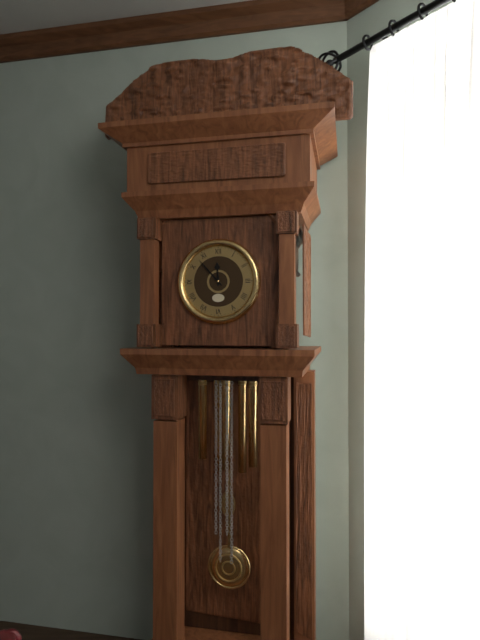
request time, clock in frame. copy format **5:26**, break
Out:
**11:53**
